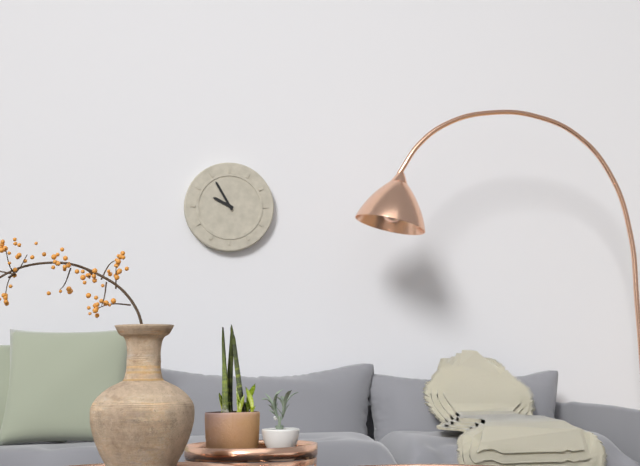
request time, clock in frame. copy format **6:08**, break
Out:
**9:55**
